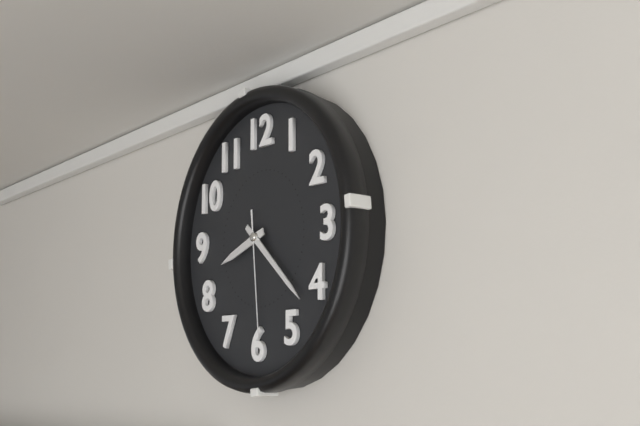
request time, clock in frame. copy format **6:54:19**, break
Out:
**8:22:29**
